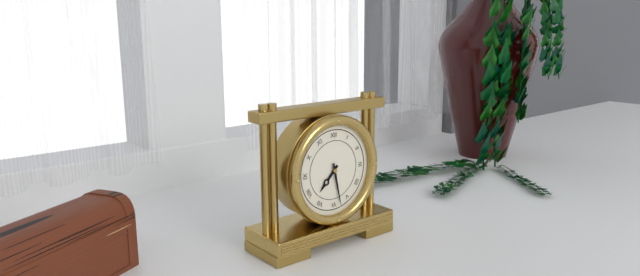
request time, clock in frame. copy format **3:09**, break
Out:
**7:28**
